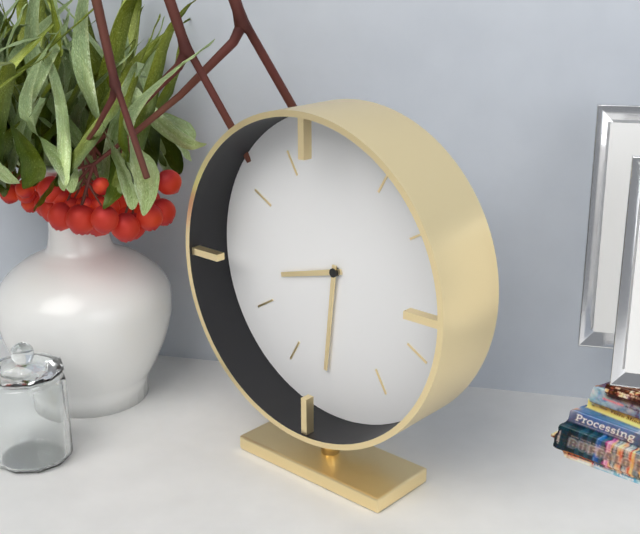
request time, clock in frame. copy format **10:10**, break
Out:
**8:31**
